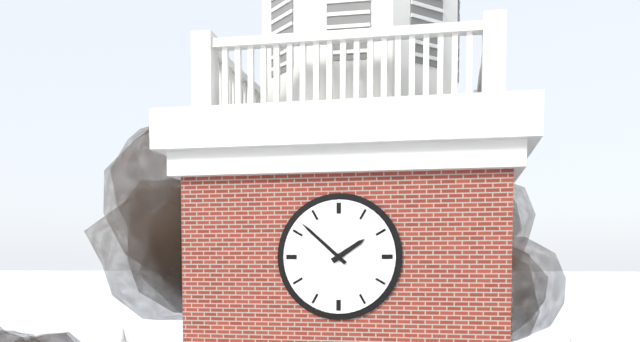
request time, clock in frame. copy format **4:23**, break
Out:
**1:52**
